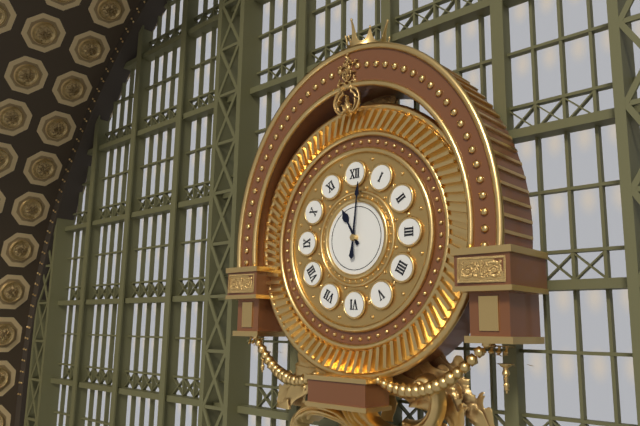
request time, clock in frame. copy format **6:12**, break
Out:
**11:01**
